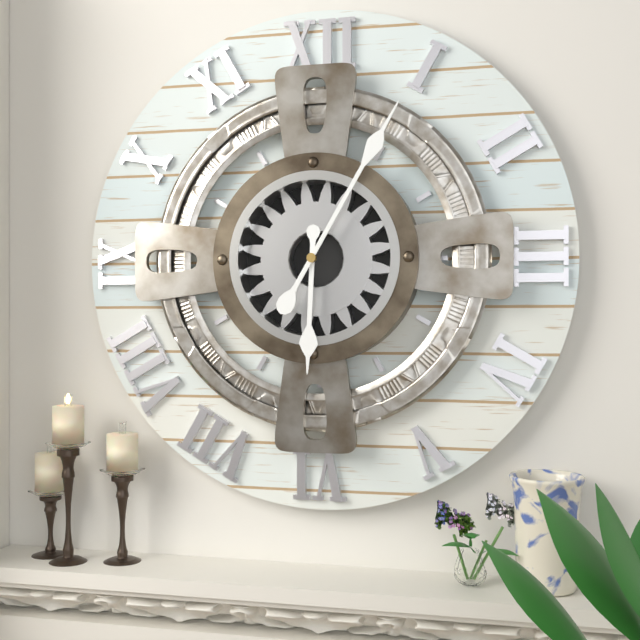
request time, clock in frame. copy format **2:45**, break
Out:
**6:05**
